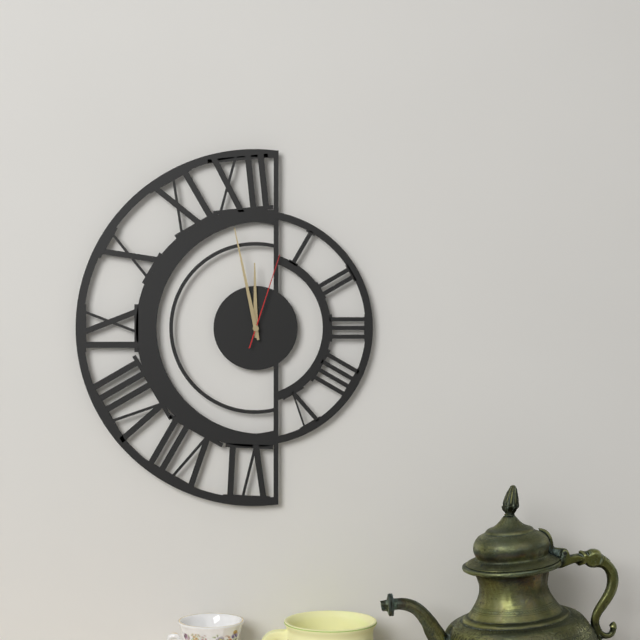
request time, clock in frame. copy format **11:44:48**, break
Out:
**11:58:03**
